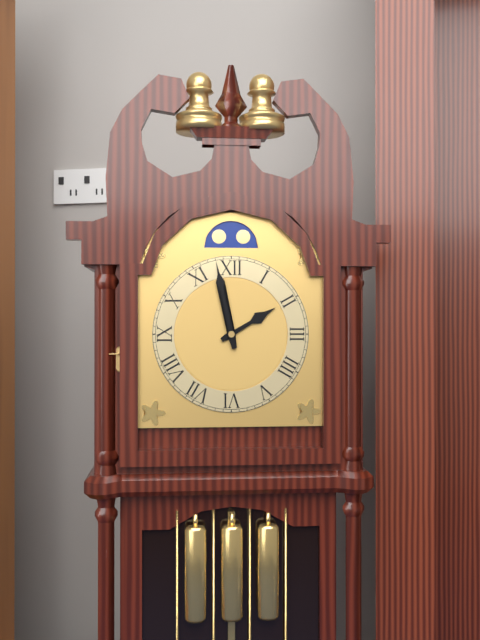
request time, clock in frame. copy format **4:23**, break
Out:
**1:58**
